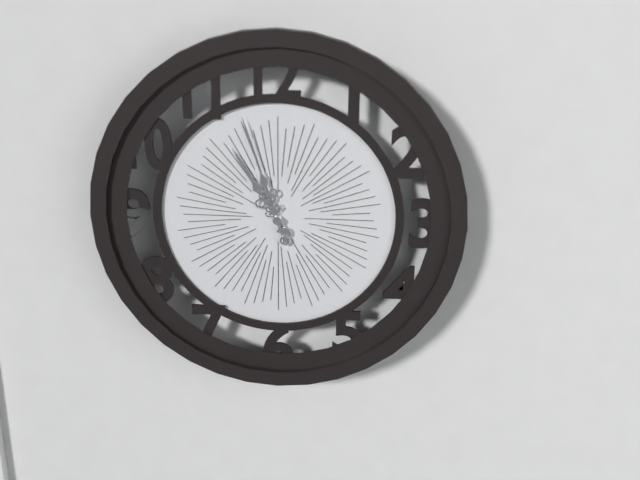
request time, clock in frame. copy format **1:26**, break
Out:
**10:57**
